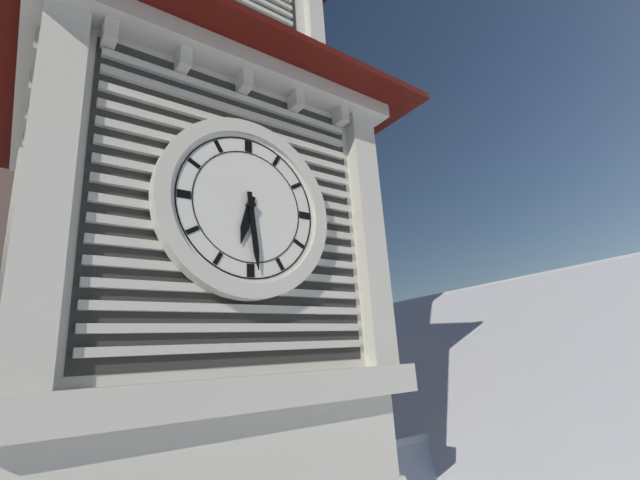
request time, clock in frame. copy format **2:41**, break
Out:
**6:29**
